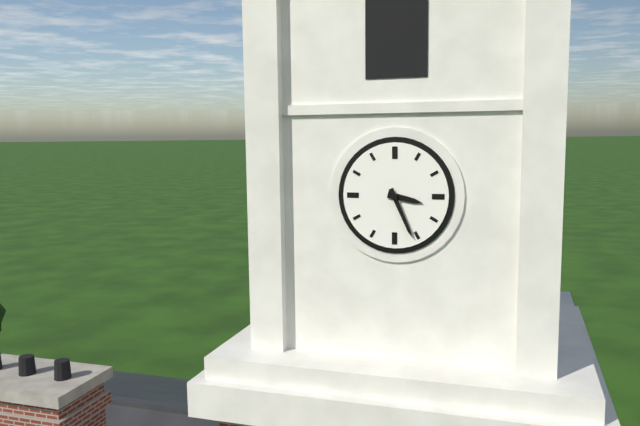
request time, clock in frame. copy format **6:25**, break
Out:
**3:26**
